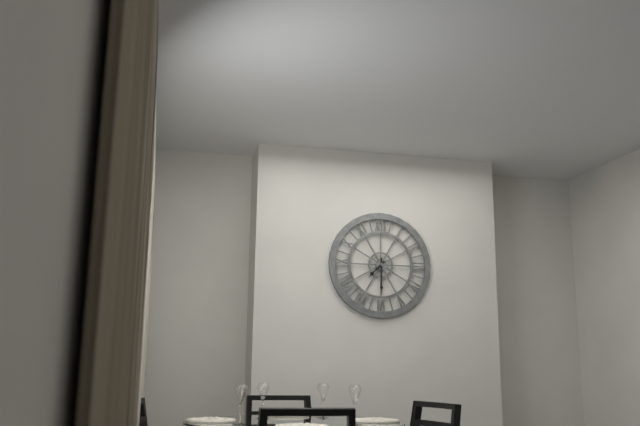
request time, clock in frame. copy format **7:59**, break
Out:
**7:30**
